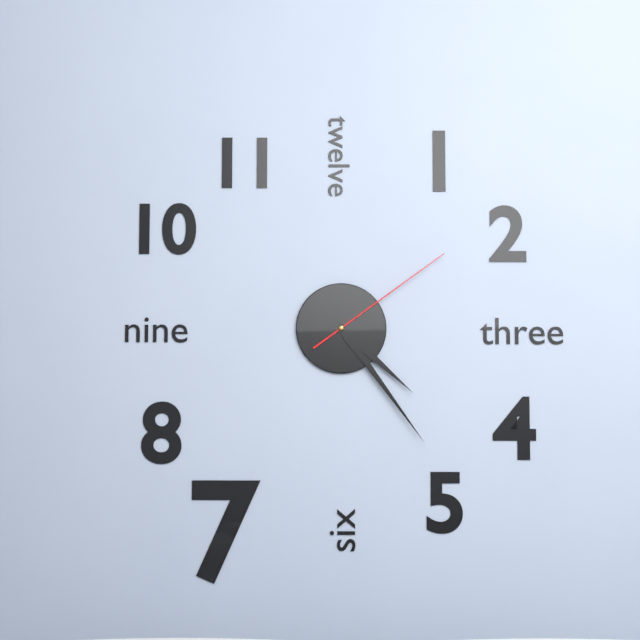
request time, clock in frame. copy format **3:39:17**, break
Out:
**4:24:09**
